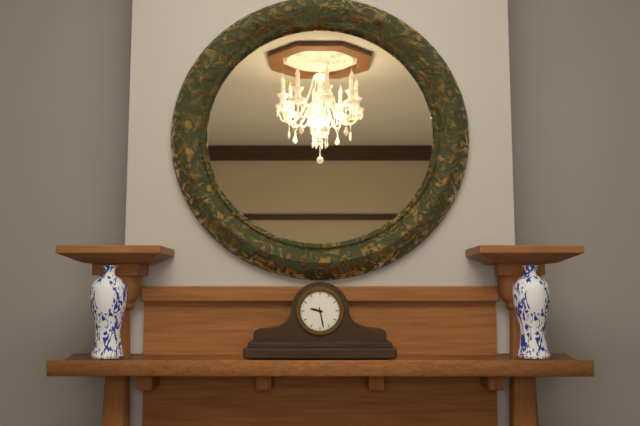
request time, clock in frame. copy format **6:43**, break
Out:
**9:28**
